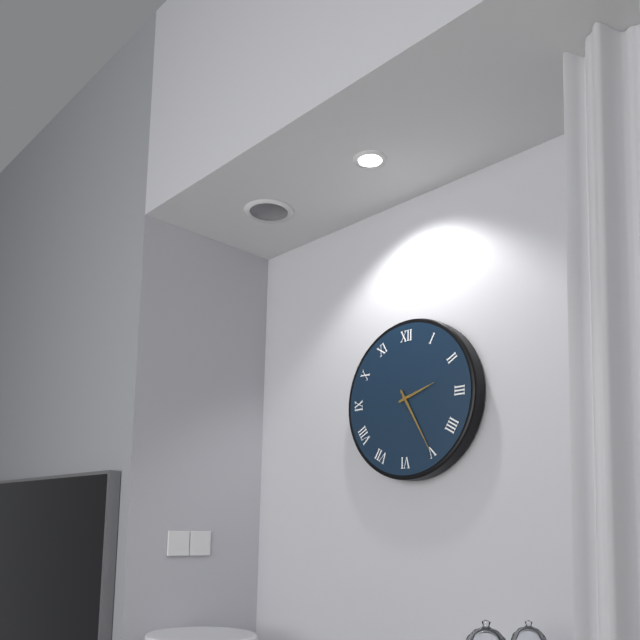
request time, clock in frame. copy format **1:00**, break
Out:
**2:25**
